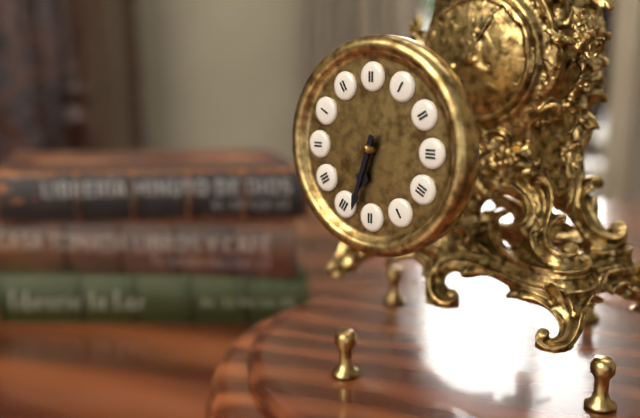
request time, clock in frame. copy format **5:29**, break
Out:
**6:33**
